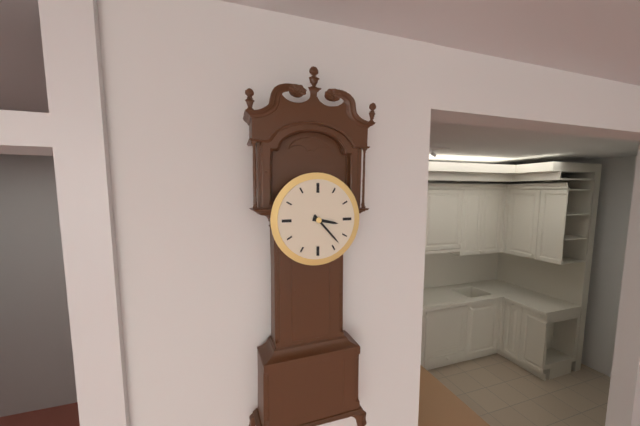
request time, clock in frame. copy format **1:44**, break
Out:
**3:23**
